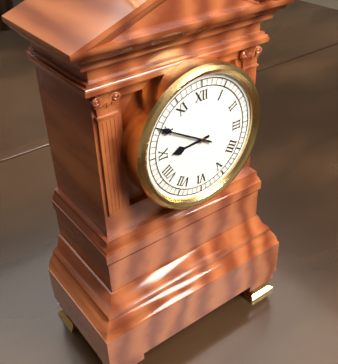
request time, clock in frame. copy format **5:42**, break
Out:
**8:50**
